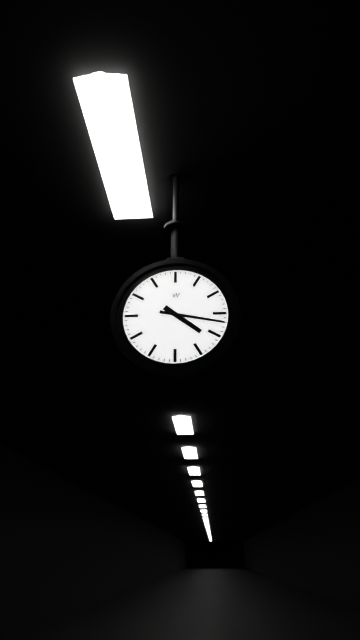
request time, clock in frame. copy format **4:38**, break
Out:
**4:17**
